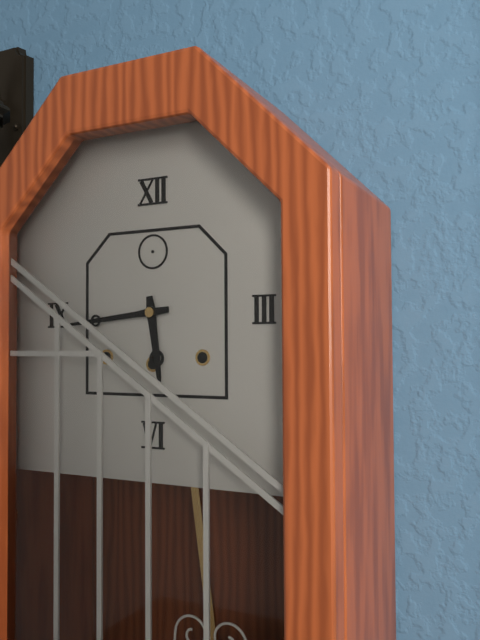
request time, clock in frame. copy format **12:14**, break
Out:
**5:44**
